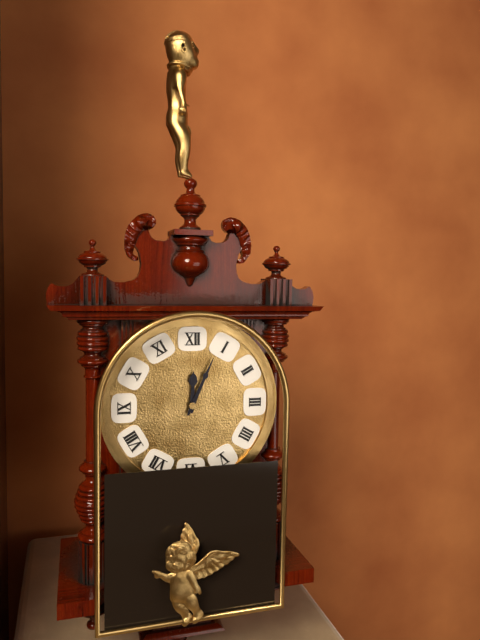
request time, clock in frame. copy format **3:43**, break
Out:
**12:04**
